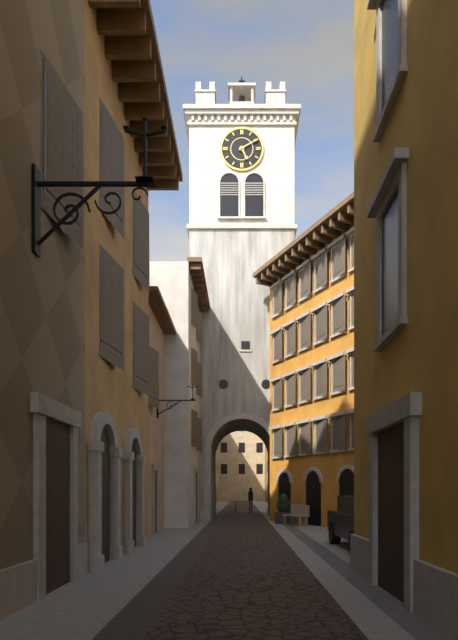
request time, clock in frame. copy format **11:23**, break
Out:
**5:10**
